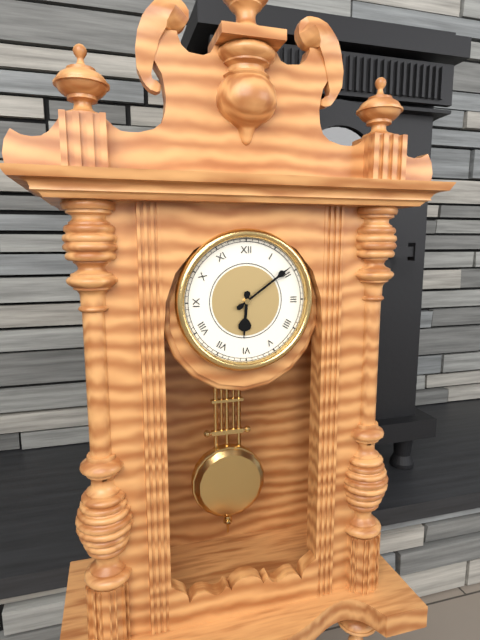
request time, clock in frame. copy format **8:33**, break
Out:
**6:09**
